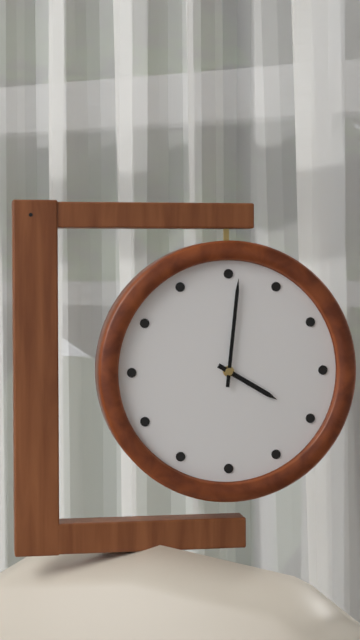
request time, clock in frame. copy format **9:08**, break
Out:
**4:01**
